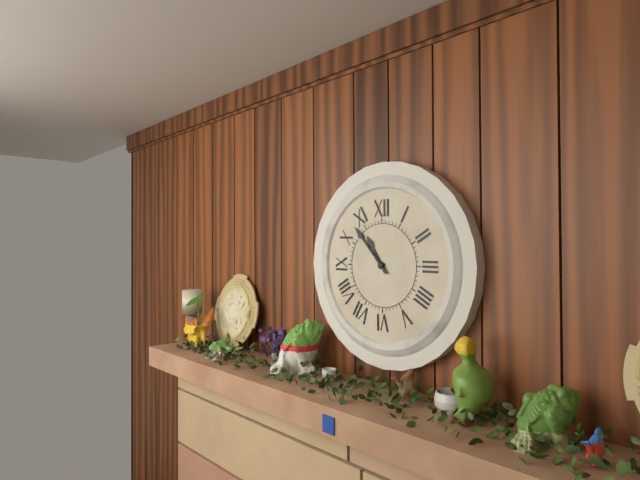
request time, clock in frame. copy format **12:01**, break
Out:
**10:53**
